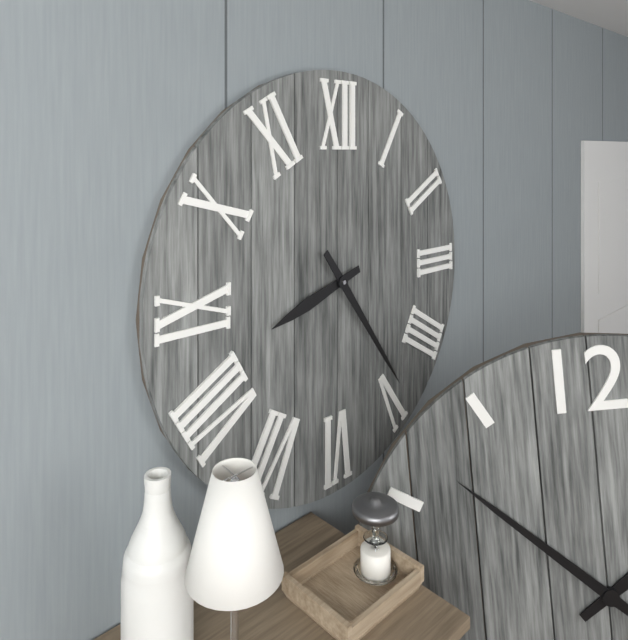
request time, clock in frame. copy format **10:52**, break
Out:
**8:24**
